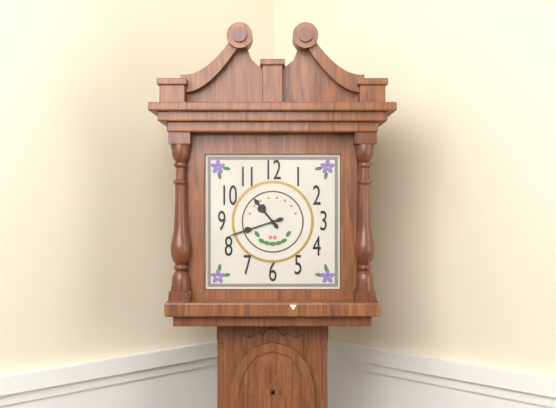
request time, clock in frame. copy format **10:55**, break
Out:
**10:42**
